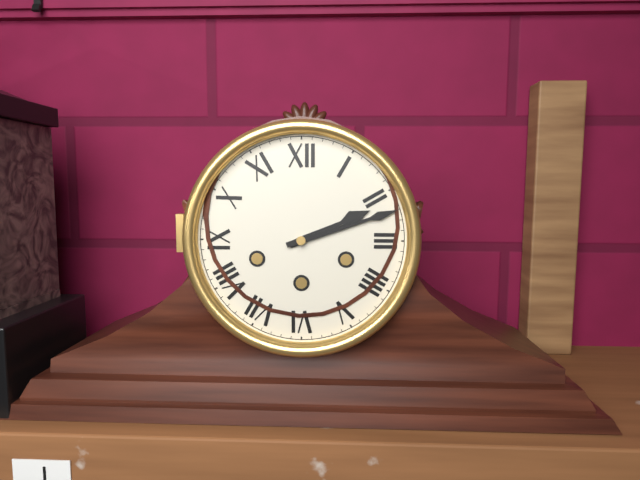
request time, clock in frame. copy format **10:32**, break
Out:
**2:12**
